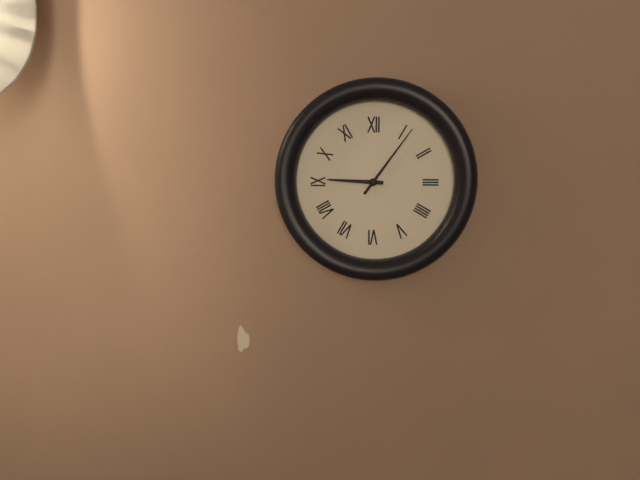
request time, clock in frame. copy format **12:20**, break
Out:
**9:06**
